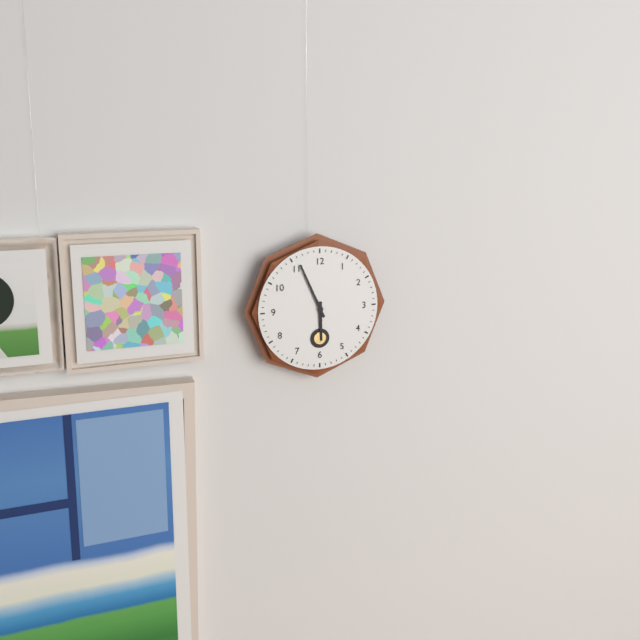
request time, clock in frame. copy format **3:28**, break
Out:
**5:56**
